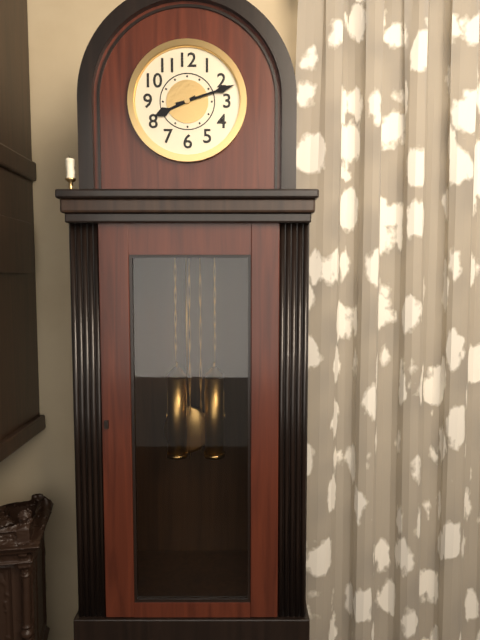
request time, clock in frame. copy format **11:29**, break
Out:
**8:12**
